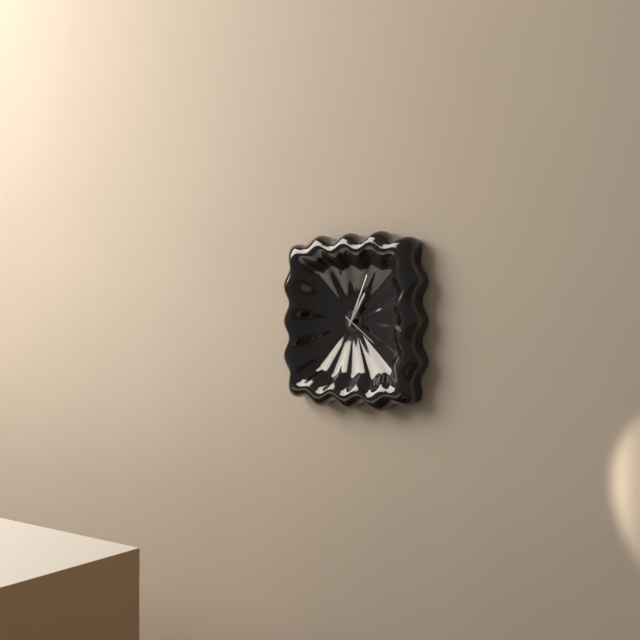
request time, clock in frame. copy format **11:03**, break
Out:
**1:04**
